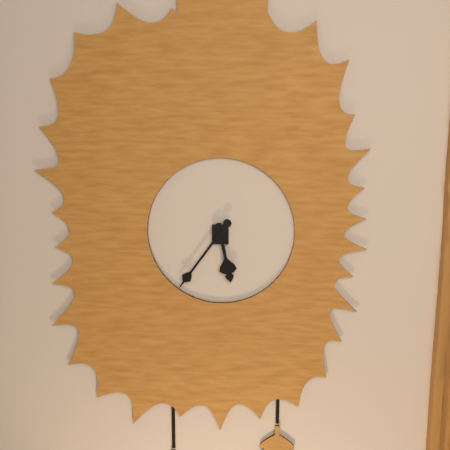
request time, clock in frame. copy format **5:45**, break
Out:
**5:36**
